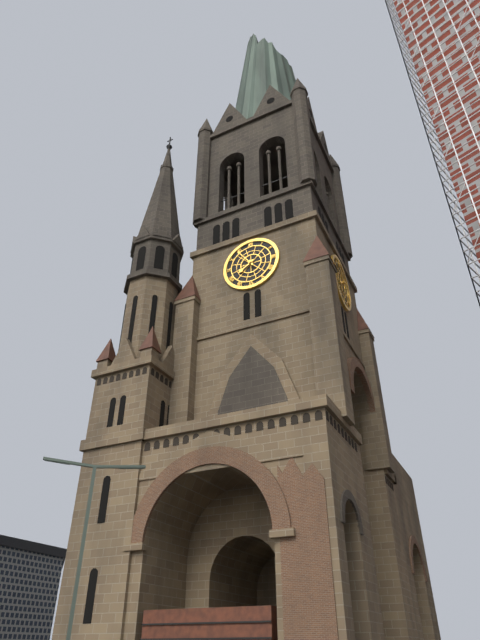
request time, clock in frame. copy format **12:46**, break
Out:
**7:54**
